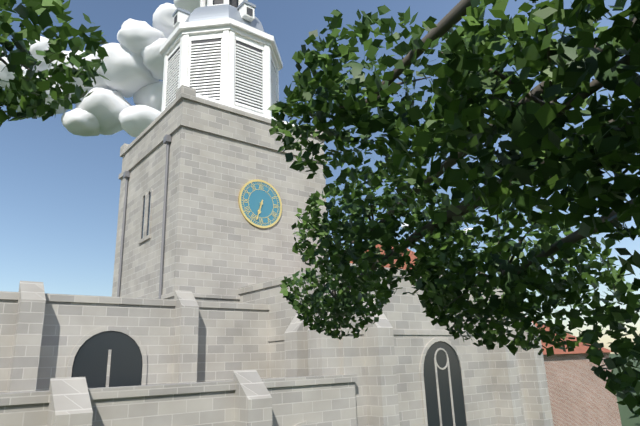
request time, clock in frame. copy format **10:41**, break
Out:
**6:33**
